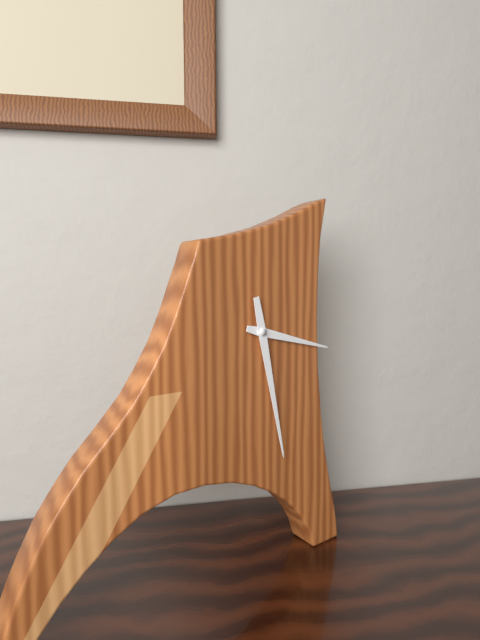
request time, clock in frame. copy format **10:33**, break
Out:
**3:28**
